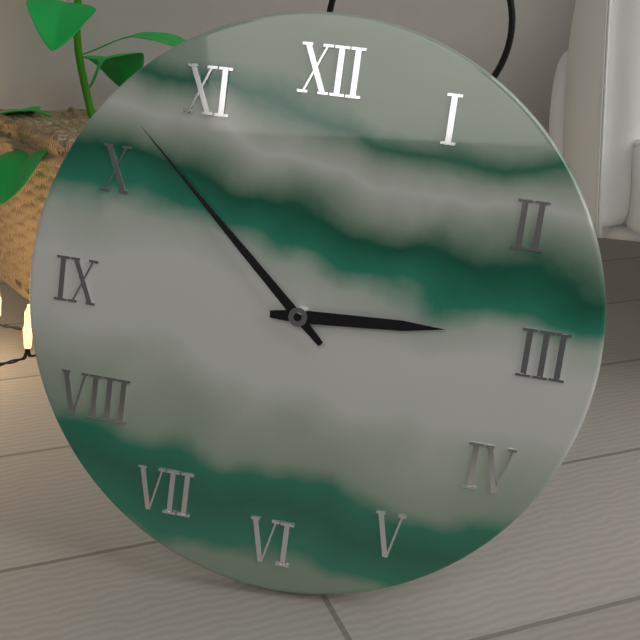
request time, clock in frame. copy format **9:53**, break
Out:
**2:52**
